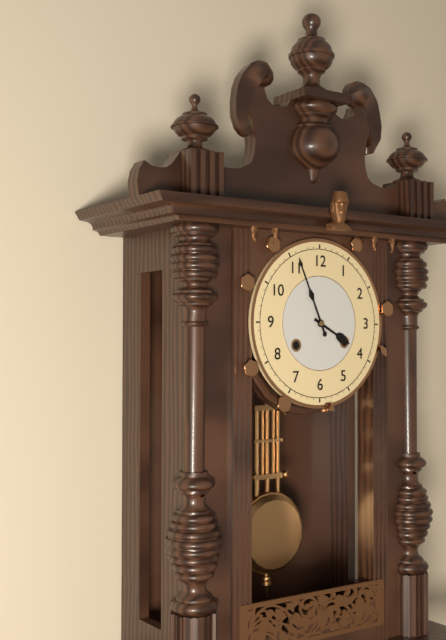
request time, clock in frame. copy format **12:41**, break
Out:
**3:56**
